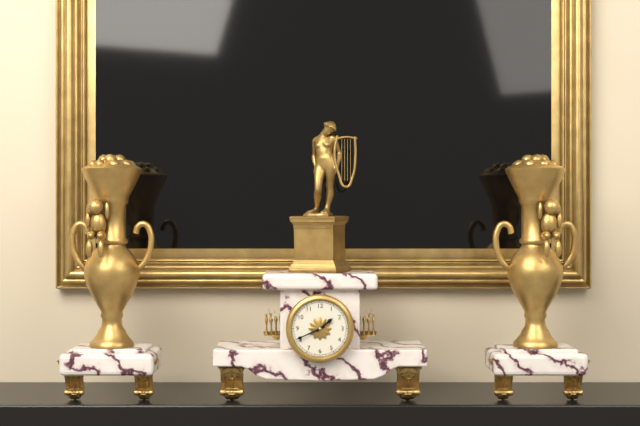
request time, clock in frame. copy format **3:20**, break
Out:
**1:41**
